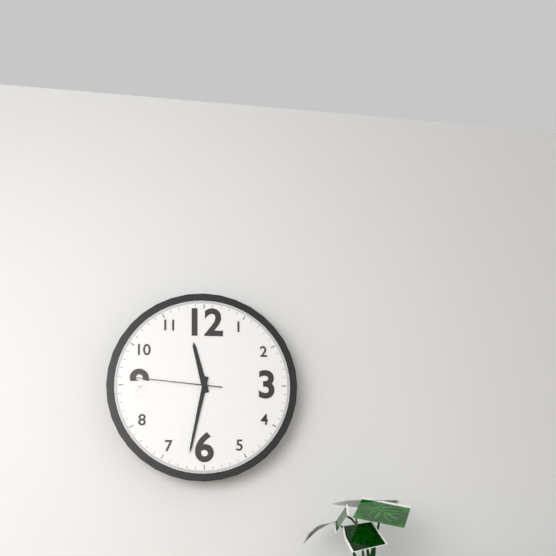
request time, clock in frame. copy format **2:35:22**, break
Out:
**11:32:46**
